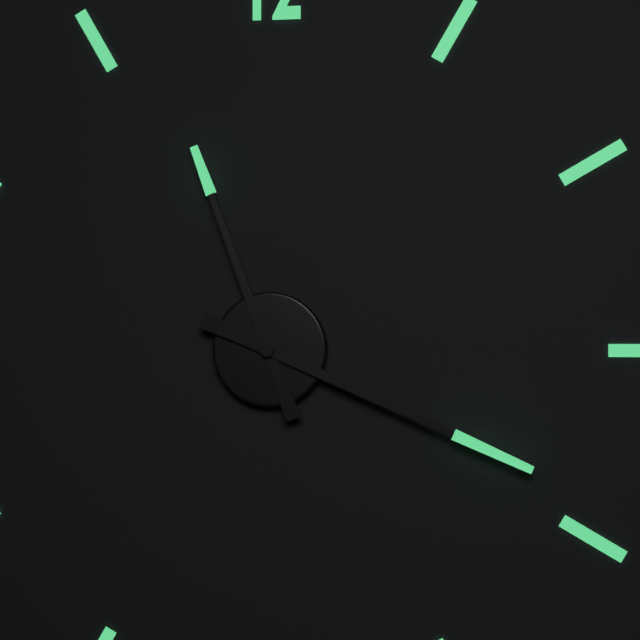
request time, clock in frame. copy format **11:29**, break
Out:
**11:19**
